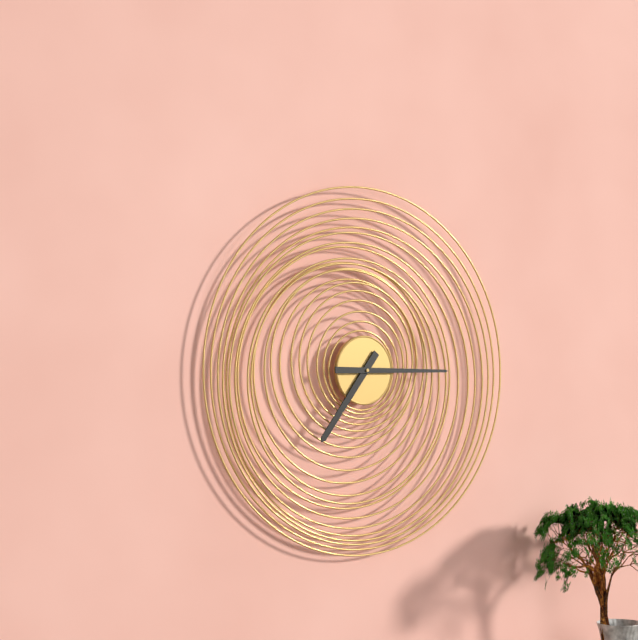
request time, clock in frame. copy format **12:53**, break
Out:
**7:15**
